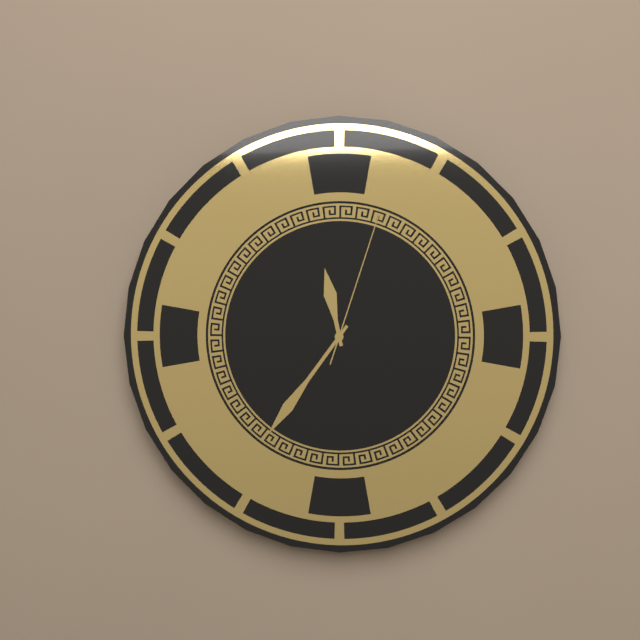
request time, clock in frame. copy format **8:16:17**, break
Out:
**11:36:03**
